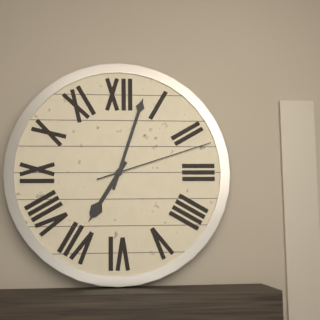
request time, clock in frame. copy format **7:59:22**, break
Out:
**7:03:12**
